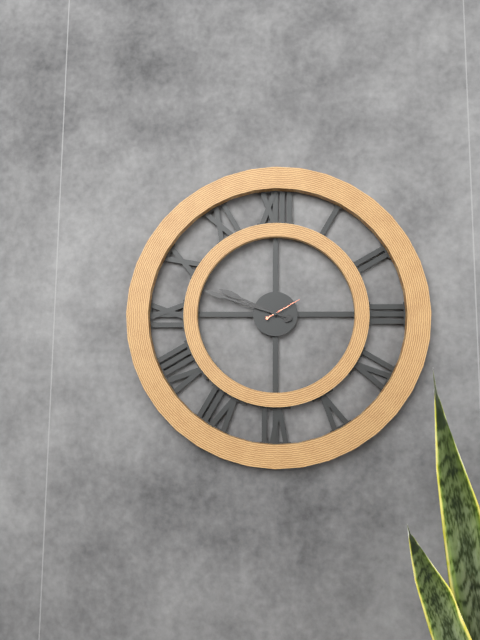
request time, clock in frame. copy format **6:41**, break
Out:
**9:48**
